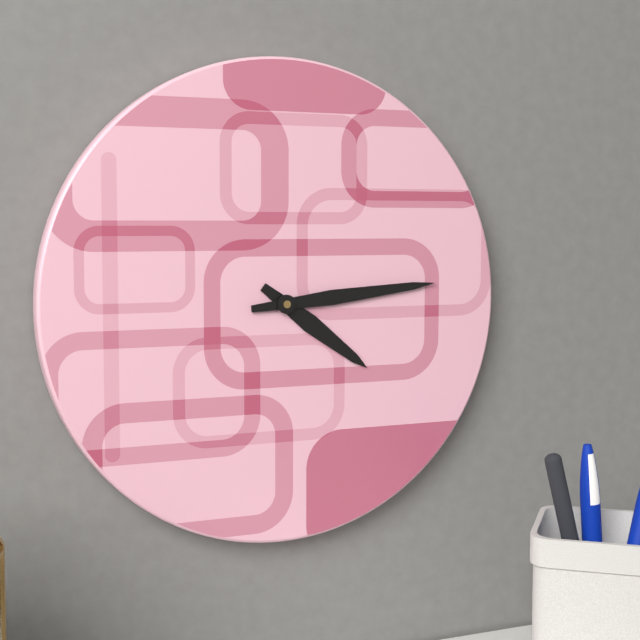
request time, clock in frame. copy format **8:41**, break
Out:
**4:14**
